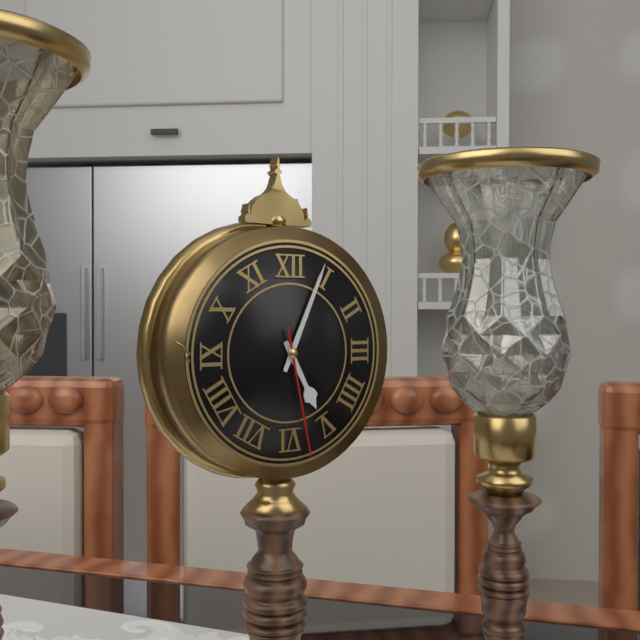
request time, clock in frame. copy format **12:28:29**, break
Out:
**5:04:28**
